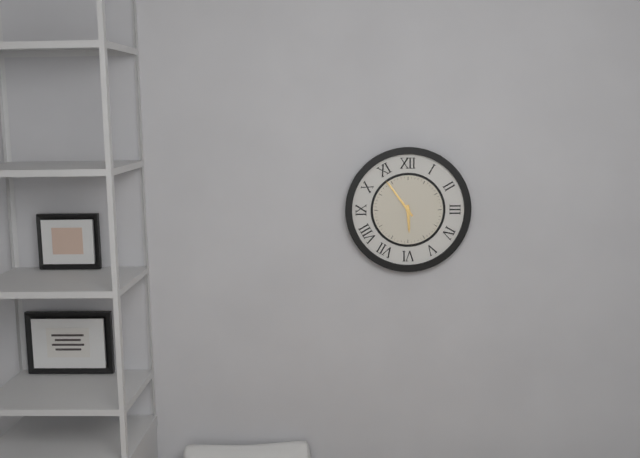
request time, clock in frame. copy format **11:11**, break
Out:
**5:54**
